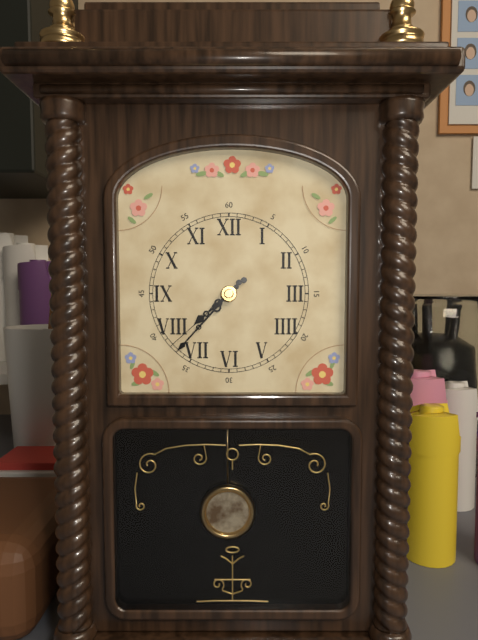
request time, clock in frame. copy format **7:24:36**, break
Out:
**7:37:38**
